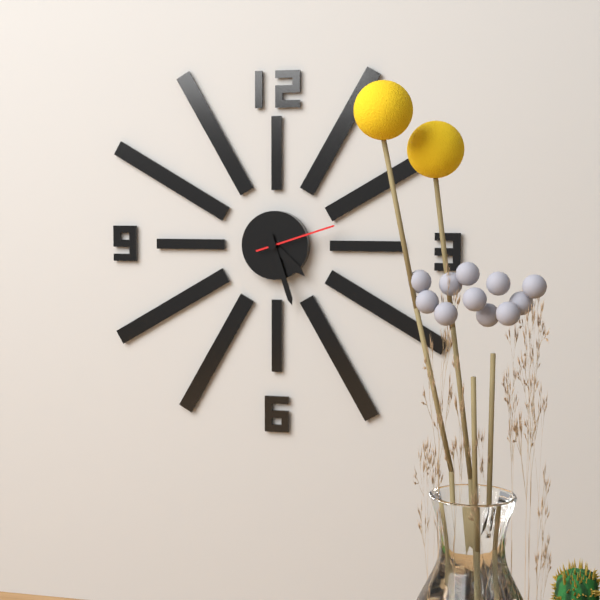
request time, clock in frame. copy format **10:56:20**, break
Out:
**4:27:12**
